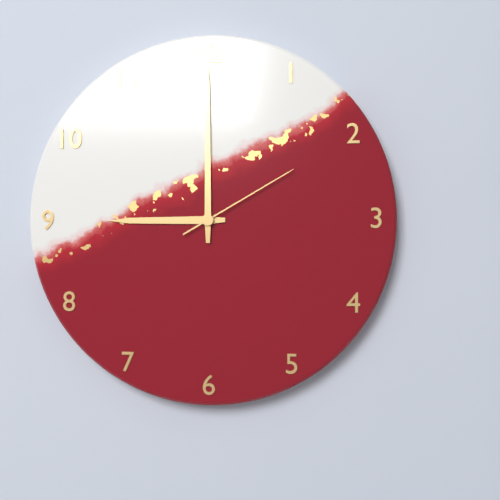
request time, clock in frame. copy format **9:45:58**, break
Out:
**9:00:10**
